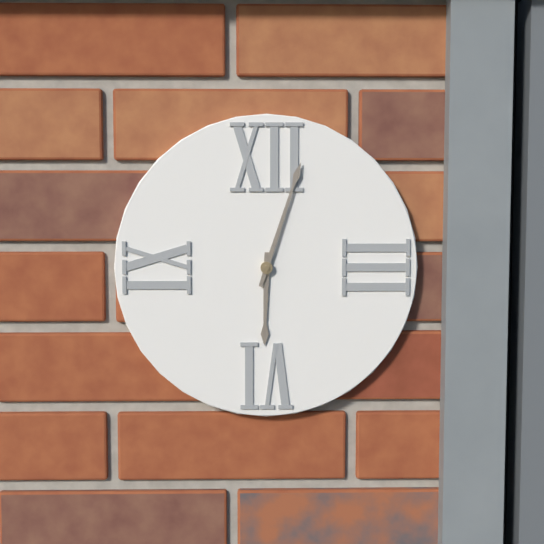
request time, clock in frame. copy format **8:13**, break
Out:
**6:03**
